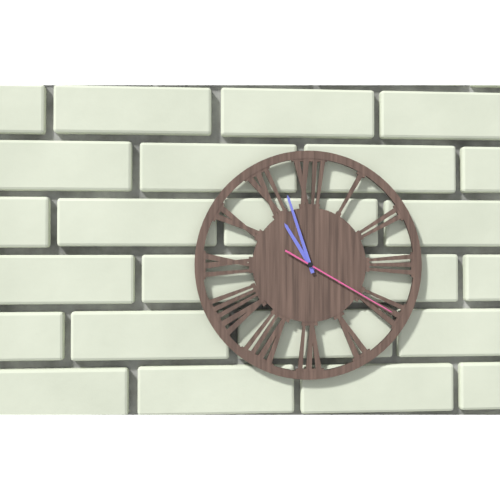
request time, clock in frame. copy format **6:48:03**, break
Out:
**10:57:20**
